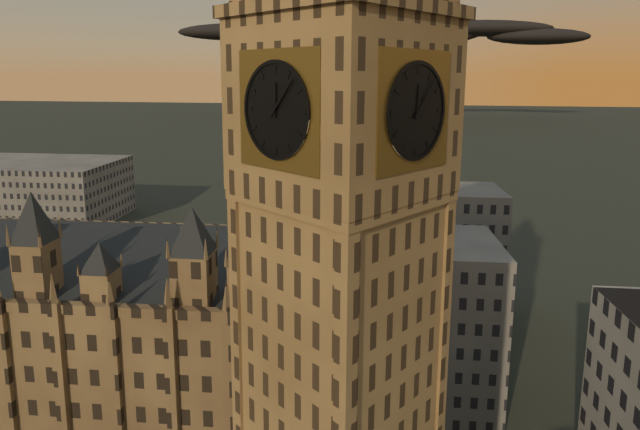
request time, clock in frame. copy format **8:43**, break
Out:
**12:07**
